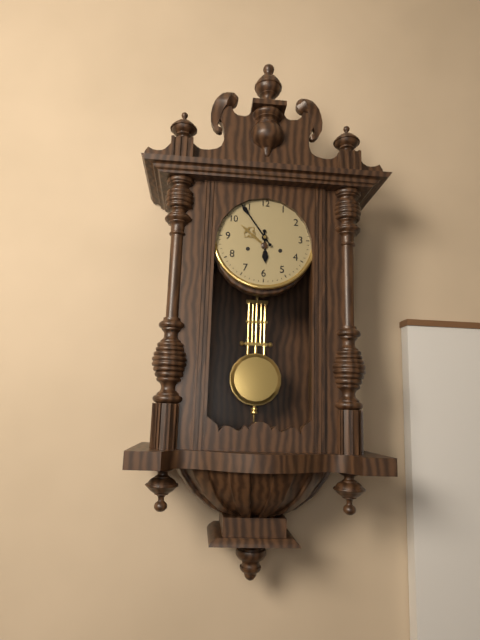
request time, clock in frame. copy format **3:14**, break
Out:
**5:54**
